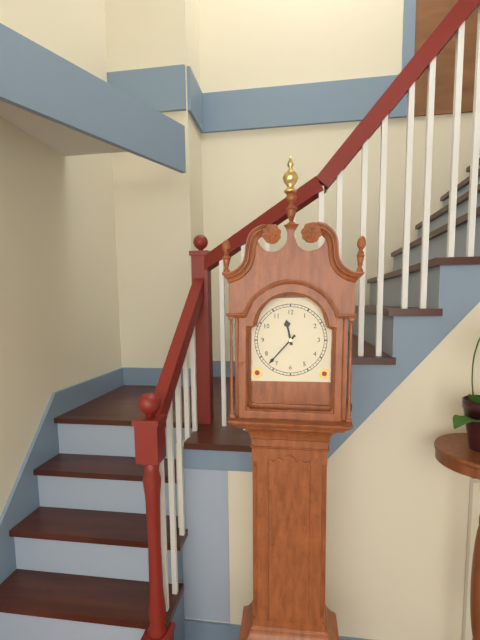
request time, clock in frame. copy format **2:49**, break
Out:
**11:37**
